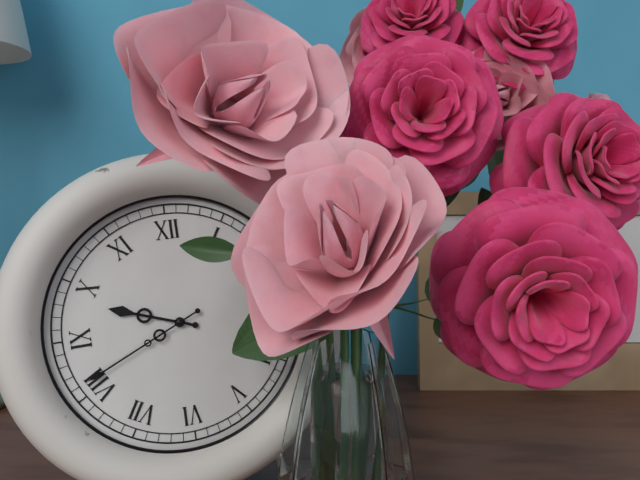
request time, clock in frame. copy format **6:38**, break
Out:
**9:41**
